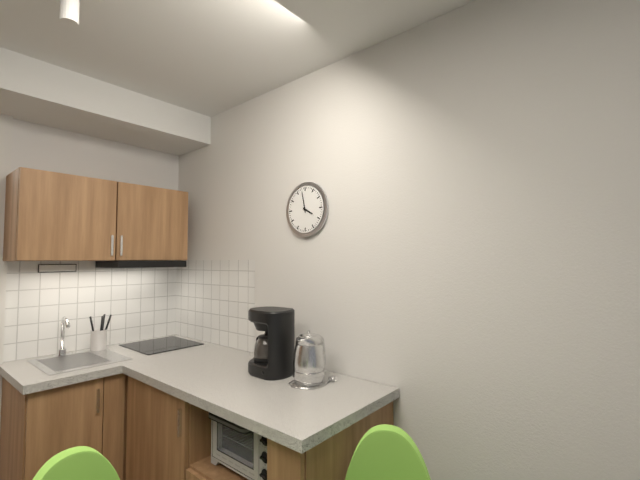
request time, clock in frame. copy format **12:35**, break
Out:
**3:58**
